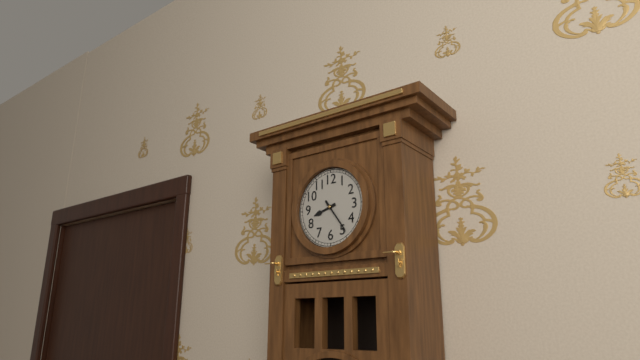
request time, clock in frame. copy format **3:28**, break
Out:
**8:24**
